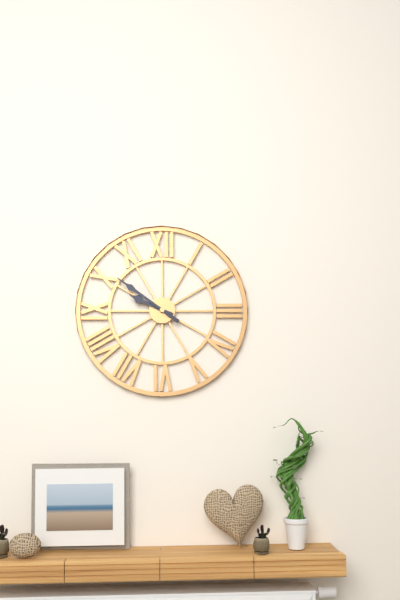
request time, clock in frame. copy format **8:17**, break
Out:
**9:51**
